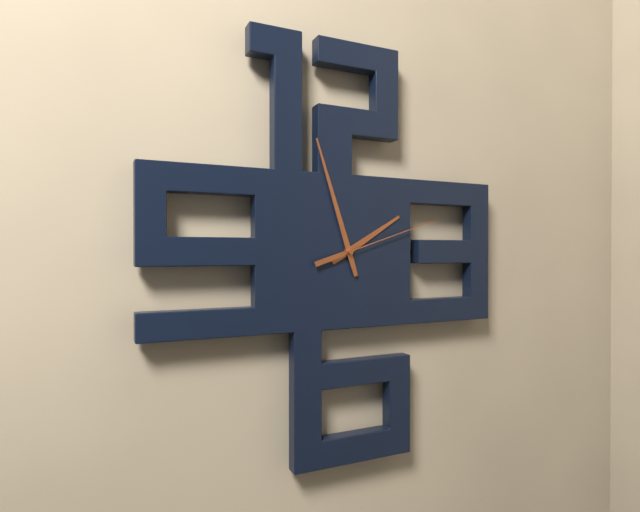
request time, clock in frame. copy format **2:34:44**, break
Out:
**1:57:12**
